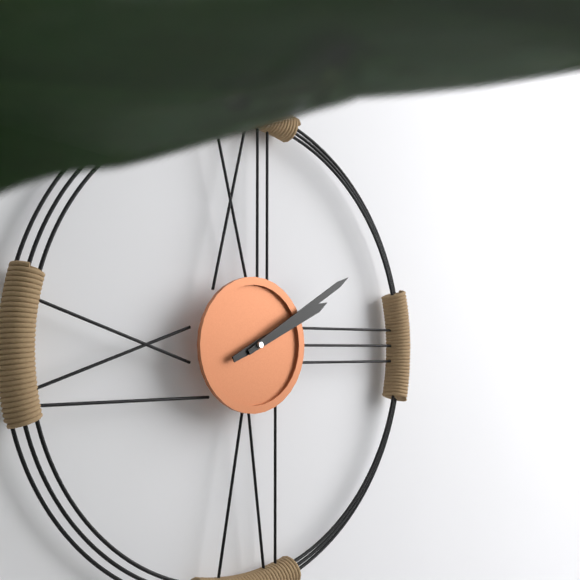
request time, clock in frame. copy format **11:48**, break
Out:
**2:10**
